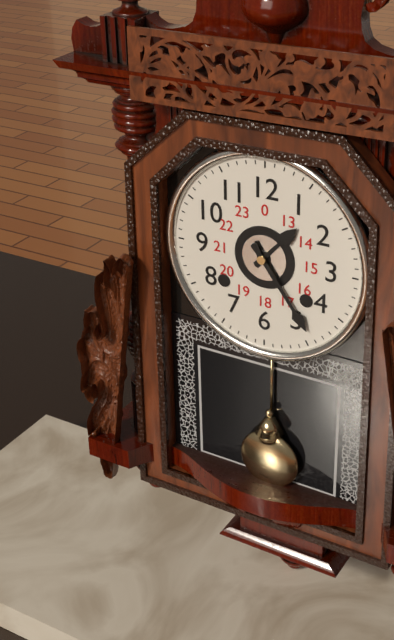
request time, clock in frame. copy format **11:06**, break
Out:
**1:24**
